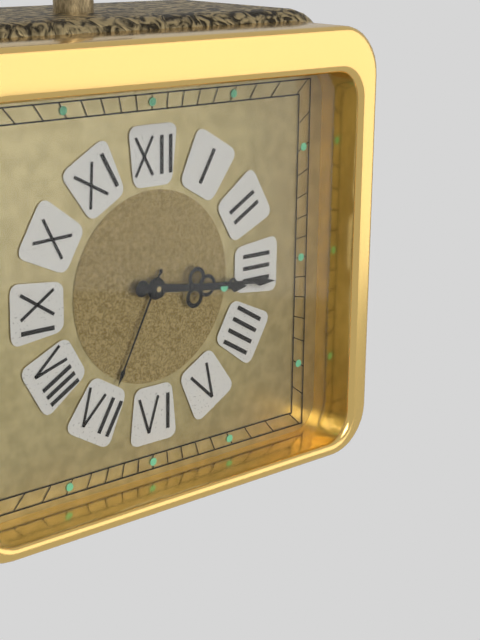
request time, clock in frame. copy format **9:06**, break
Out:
**3:16**
